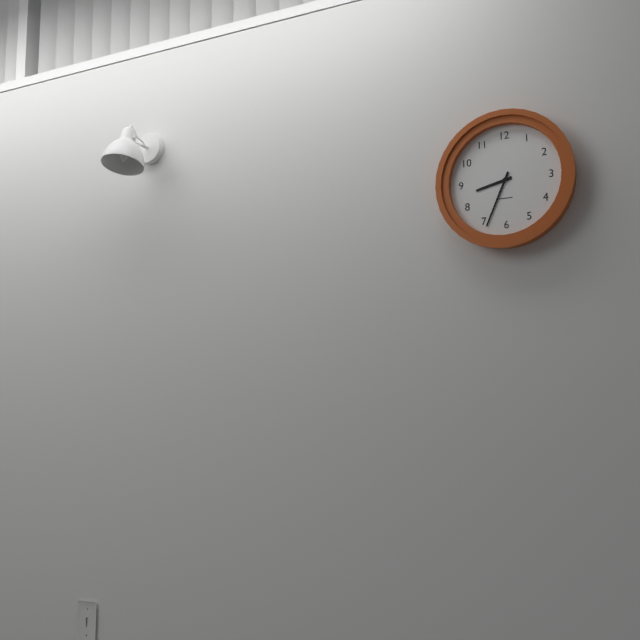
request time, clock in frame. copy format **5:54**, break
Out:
**8:34**
